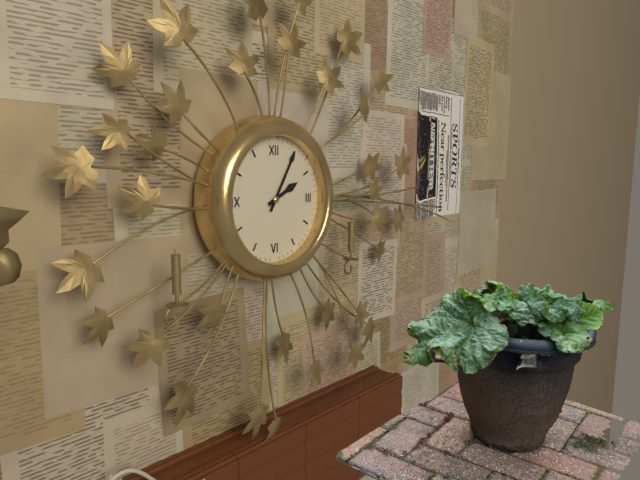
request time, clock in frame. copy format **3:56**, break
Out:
**2:05**
